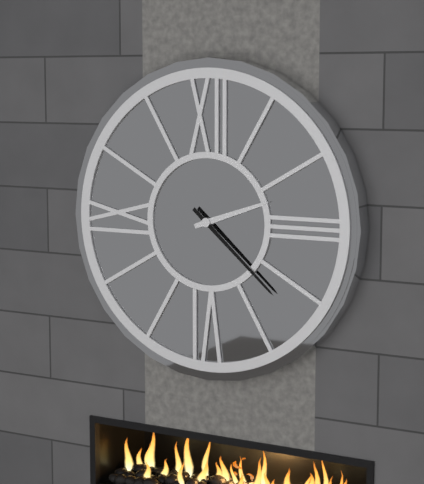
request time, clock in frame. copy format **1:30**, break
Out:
**2:22**
